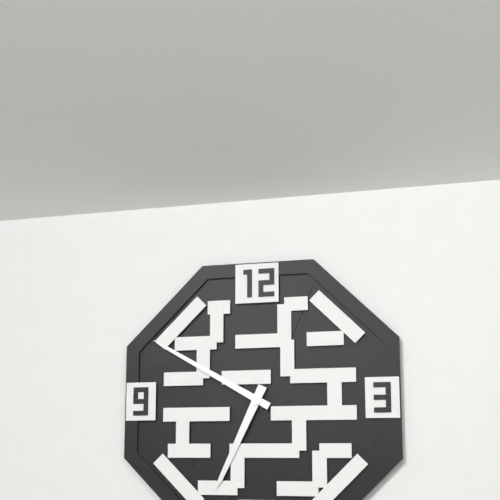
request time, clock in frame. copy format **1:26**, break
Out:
**6:50**
